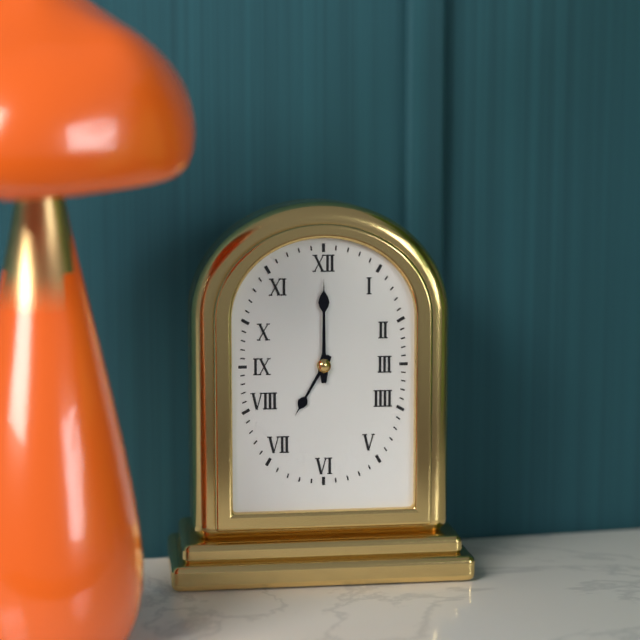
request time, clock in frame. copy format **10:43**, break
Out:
**7:00**
